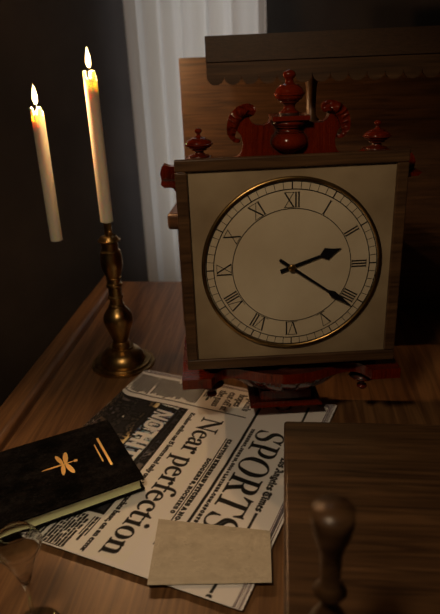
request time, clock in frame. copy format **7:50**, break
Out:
**2:21**
